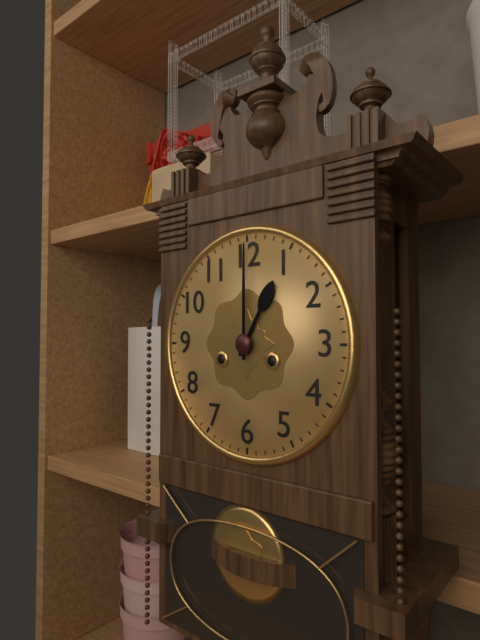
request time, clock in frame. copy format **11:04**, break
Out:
**1:00**
